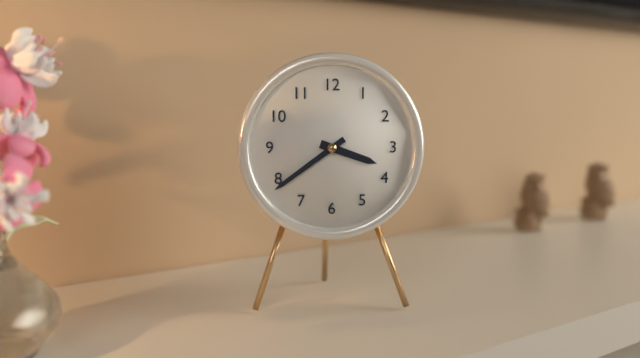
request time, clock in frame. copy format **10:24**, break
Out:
**3:39**
